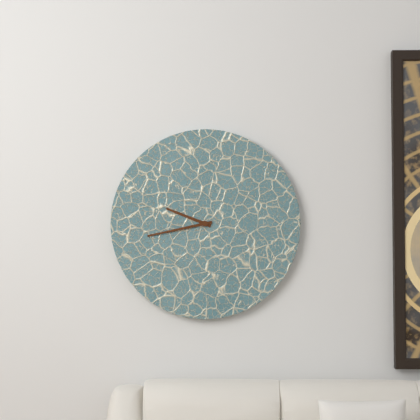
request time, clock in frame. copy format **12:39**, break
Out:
**9:43**
